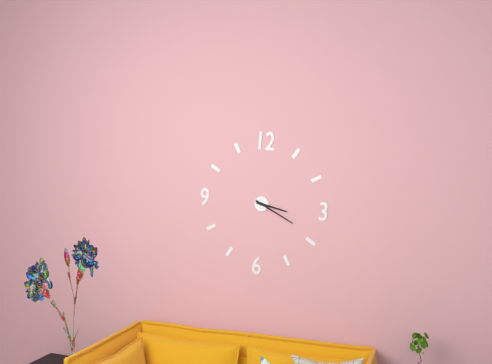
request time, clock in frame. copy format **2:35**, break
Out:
**3:19**
